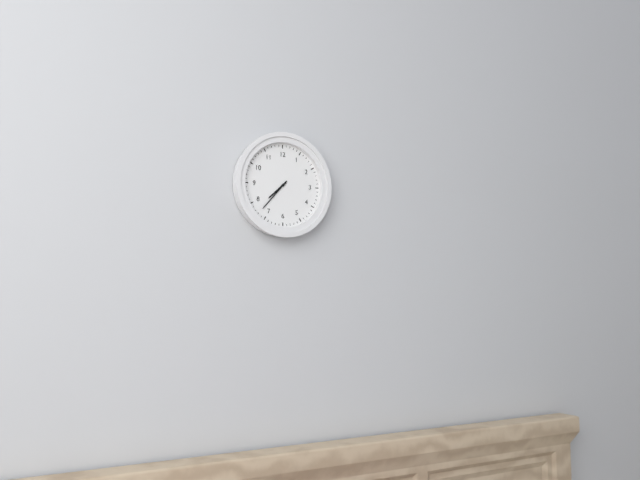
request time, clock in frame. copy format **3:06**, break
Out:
**7:37**
